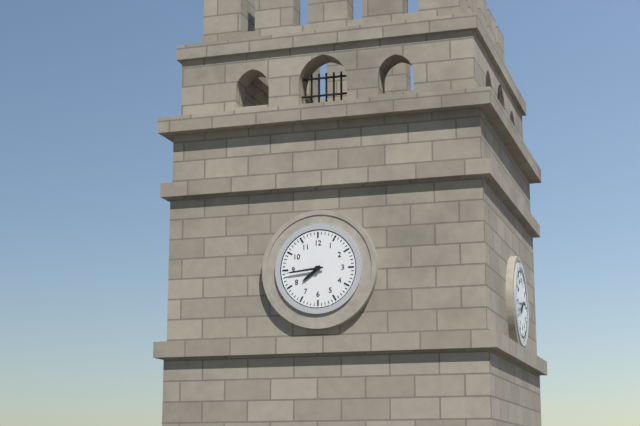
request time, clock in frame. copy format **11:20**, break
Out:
**7:44**
